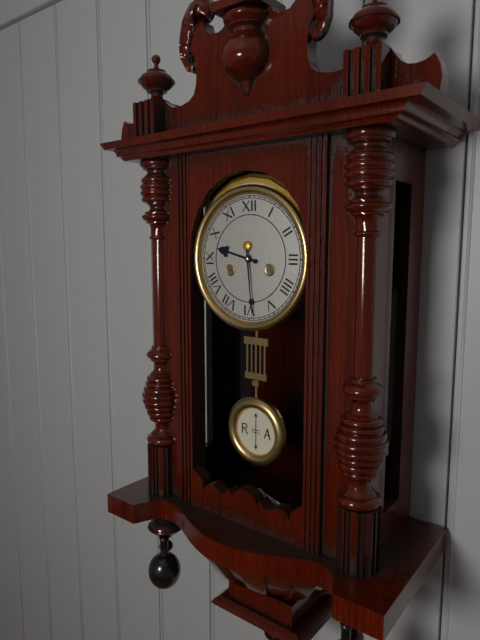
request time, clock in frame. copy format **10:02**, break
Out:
**9:29**
